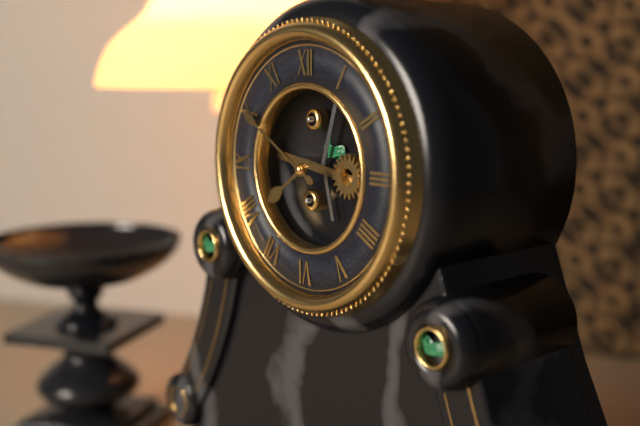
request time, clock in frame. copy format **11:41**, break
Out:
**7:50**
